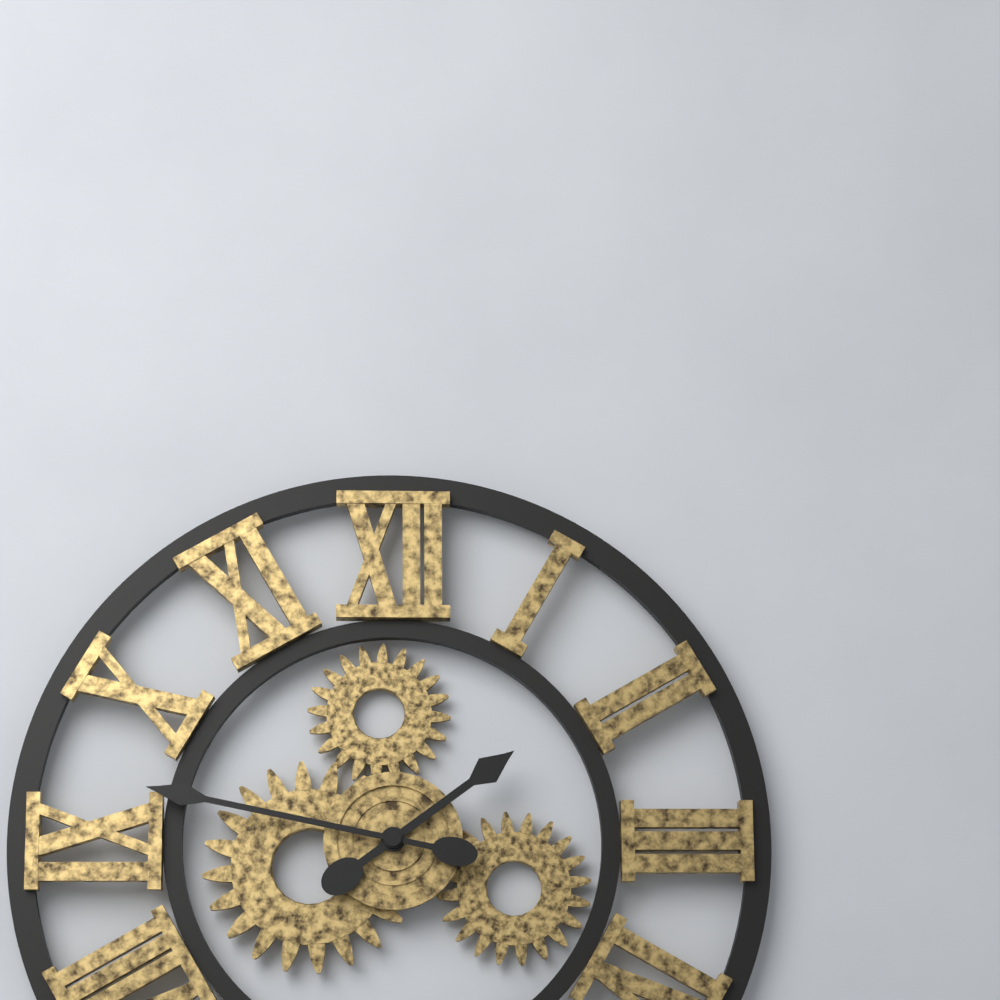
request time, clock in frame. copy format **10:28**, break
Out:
**1:47**
